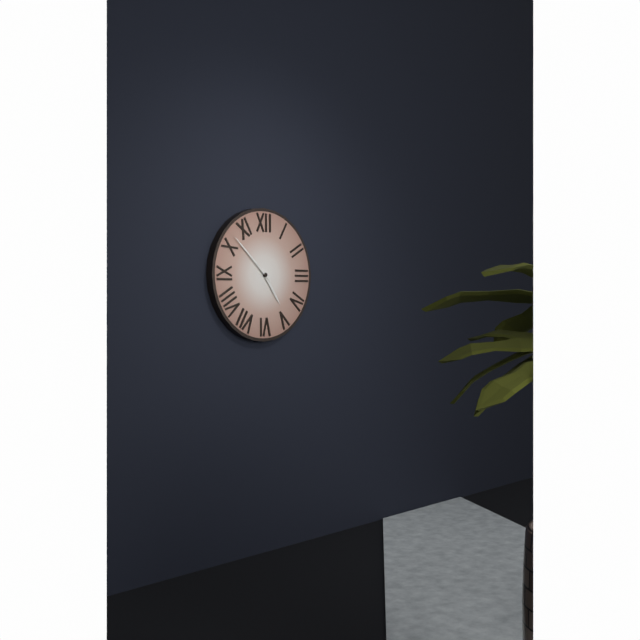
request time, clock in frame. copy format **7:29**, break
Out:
**4:52**
